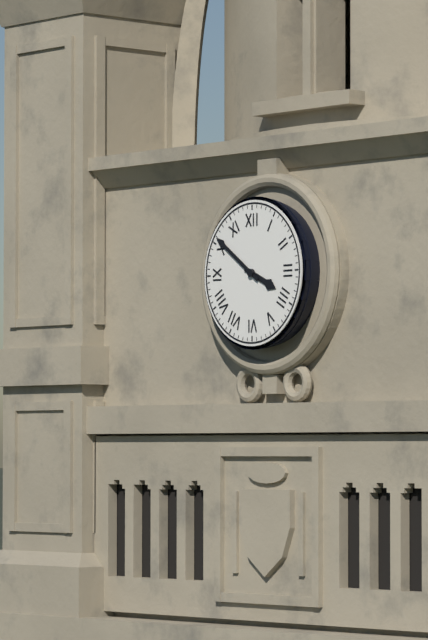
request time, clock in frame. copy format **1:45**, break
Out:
**3:51**
